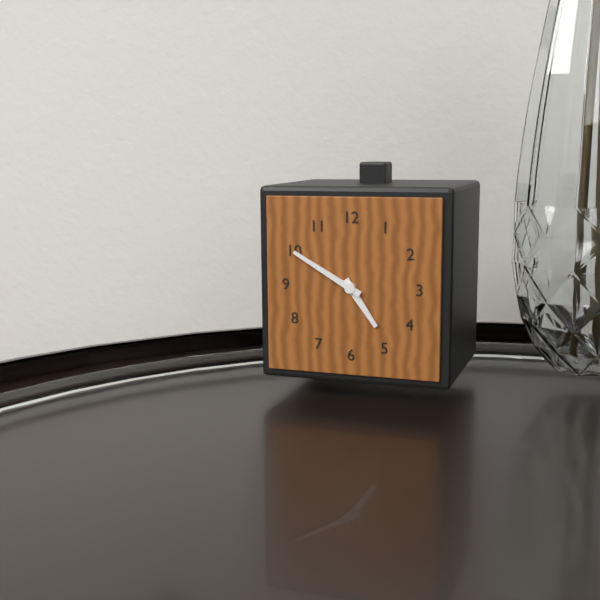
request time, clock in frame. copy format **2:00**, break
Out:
**4:50**
